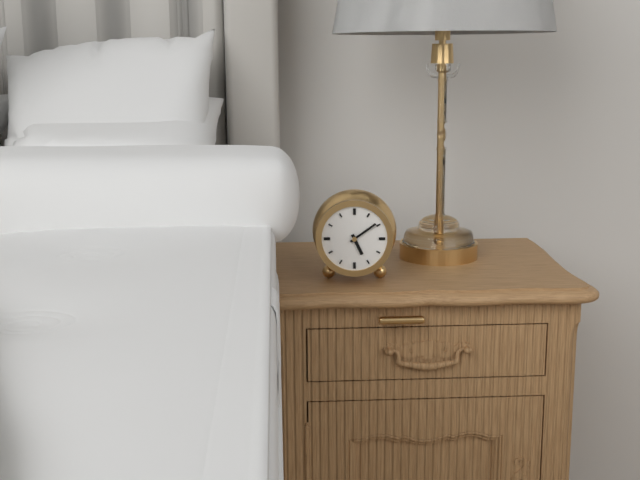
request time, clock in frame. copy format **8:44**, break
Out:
**5:09**
